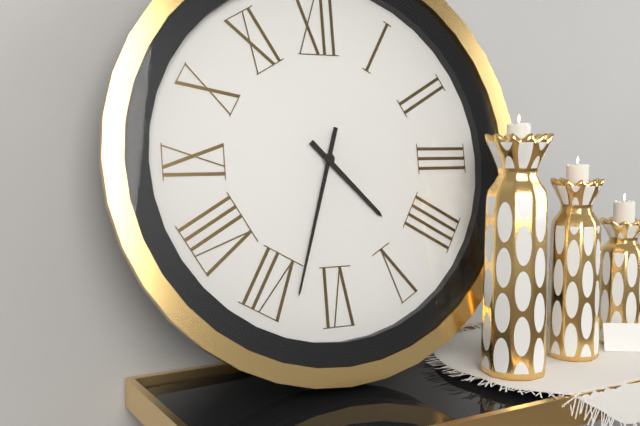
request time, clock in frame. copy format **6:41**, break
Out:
**4:33**
